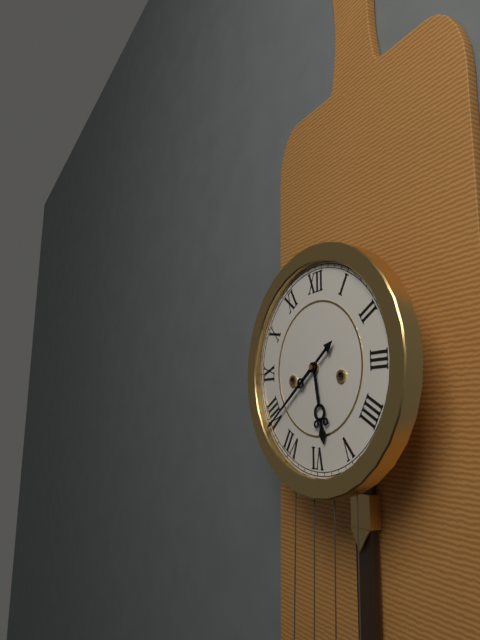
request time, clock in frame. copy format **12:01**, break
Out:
**5:39**
